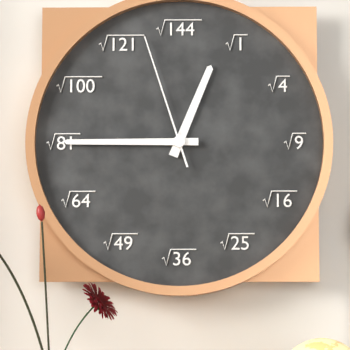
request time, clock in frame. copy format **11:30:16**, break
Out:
**12:45:57**
